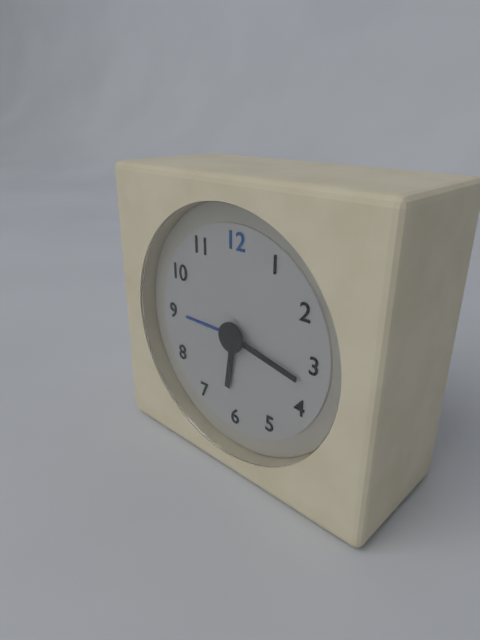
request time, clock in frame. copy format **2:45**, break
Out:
**6:17**
